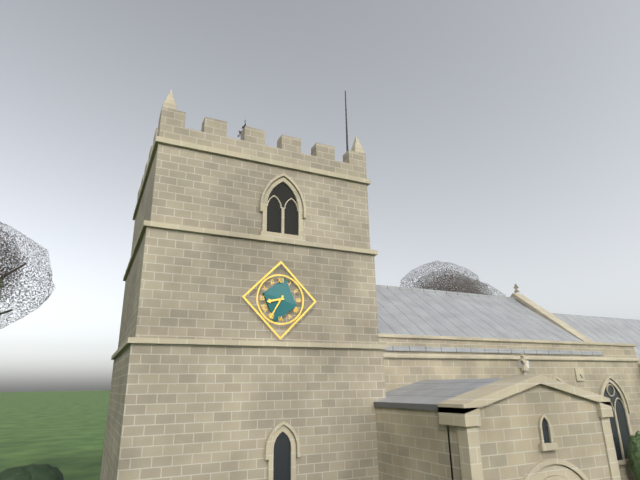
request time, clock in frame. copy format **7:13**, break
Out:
**8:35**
